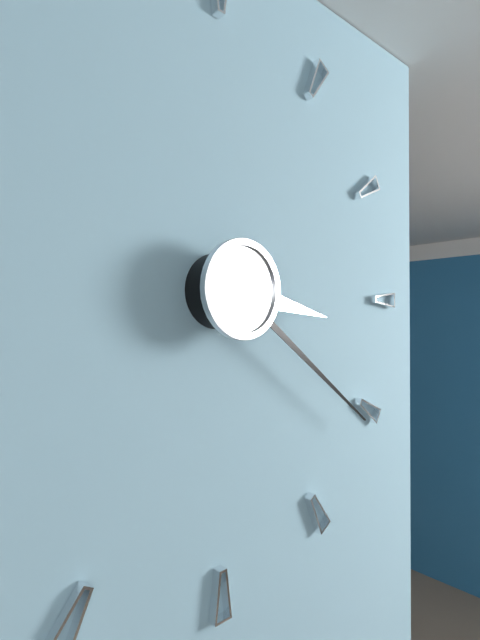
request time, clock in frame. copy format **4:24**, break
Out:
**3:21**
